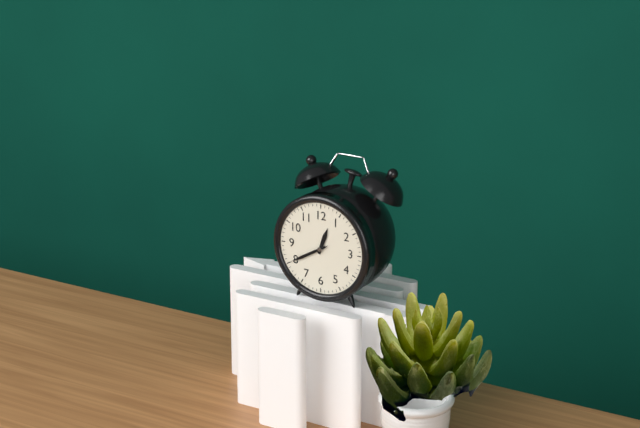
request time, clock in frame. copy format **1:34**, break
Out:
**12:40**
